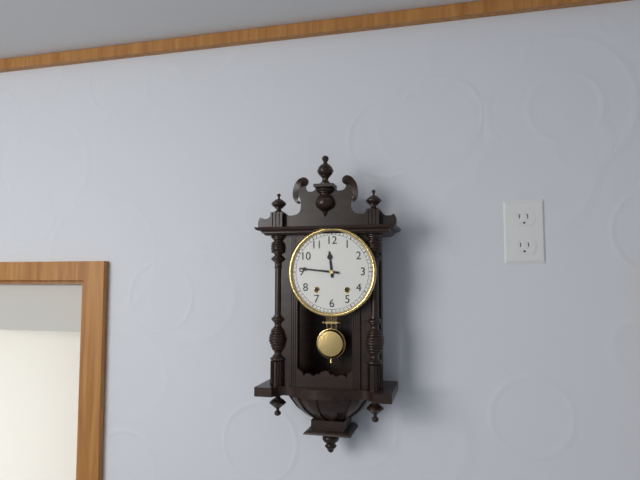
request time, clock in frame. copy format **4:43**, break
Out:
**11:46**
